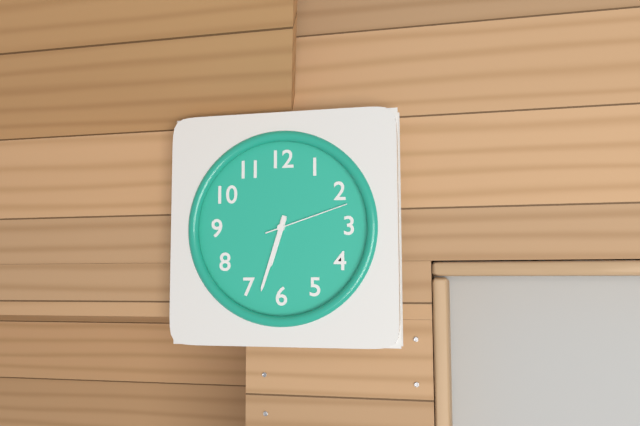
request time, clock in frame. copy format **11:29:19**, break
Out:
**6:33:12**
